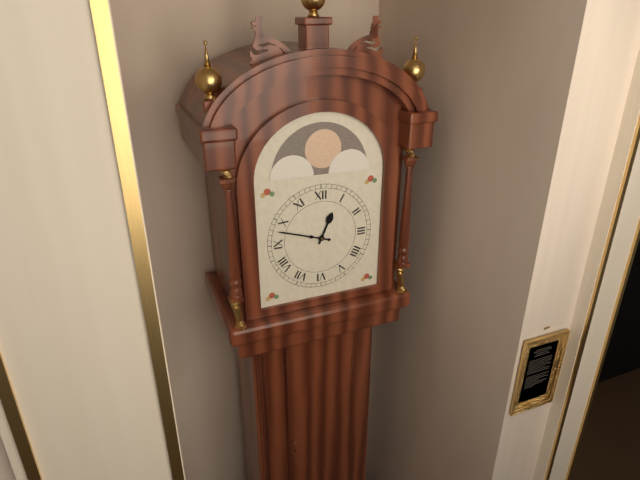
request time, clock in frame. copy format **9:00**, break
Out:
**12:48**
